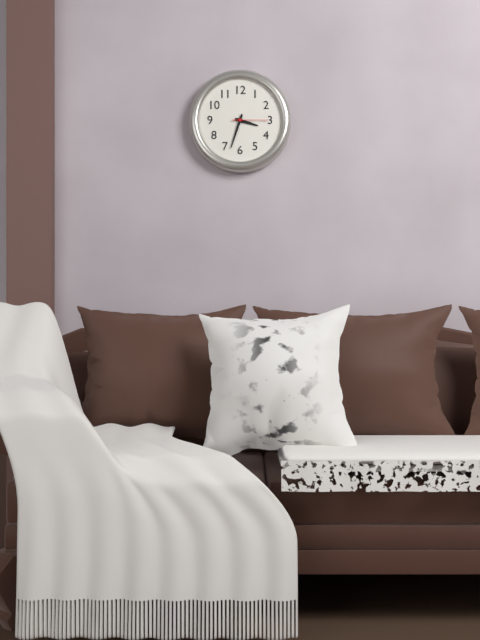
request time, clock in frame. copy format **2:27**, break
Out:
**3:33**
